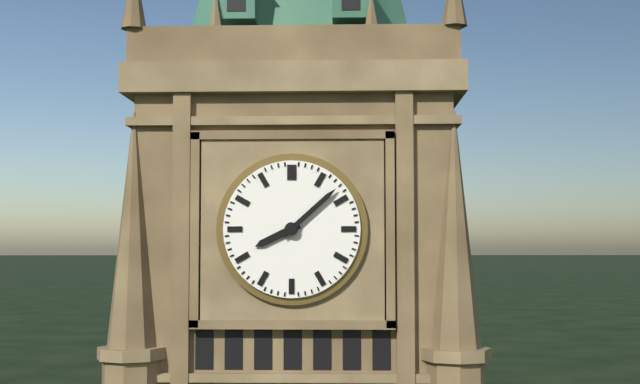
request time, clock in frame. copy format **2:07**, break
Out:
**8:08**
